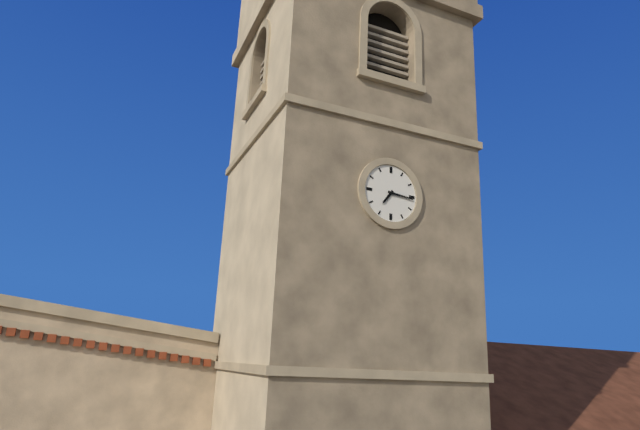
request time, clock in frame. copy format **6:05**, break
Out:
**7:16**
